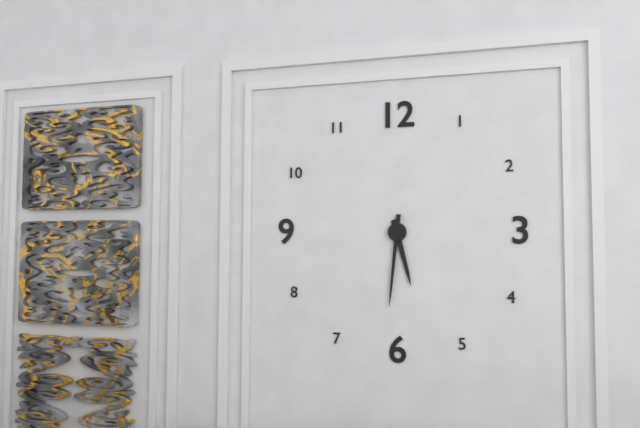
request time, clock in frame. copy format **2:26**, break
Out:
**5:31**
